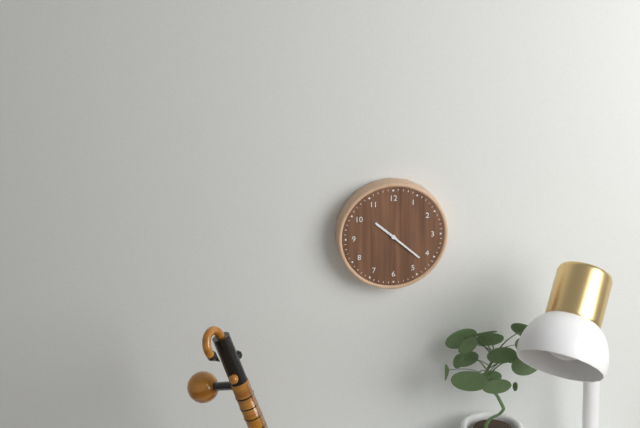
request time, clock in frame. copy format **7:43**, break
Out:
**10:22**
